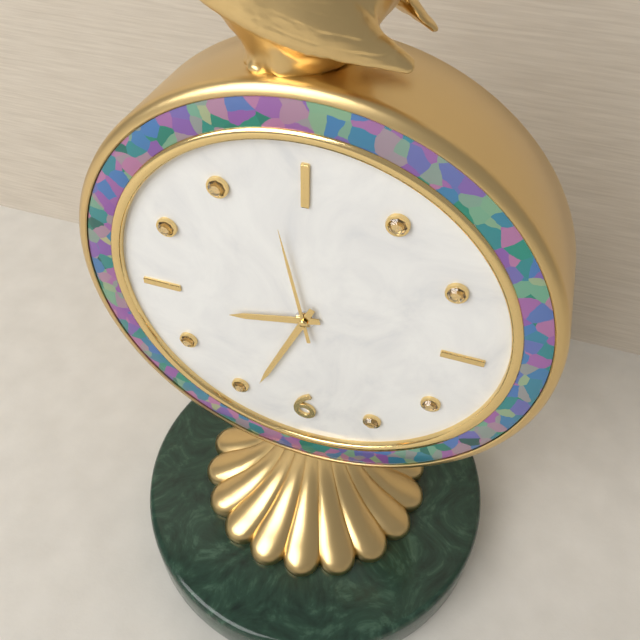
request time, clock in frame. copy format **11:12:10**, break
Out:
**8:34:58**
